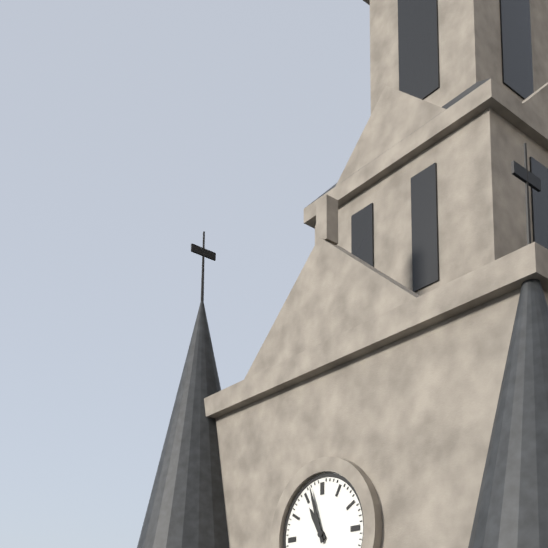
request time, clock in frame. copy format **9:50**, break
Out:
**10:57**
